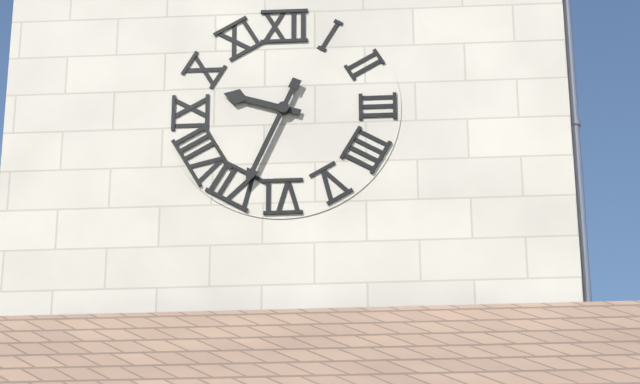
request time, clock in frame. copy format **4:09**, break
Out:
**9:34**
